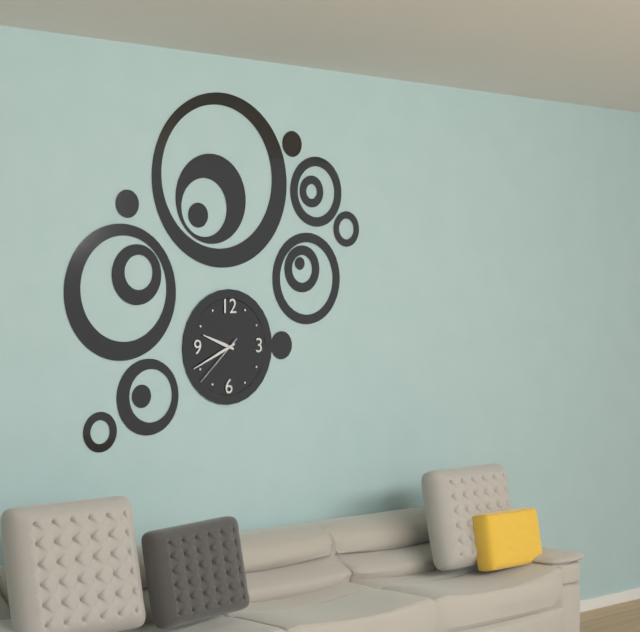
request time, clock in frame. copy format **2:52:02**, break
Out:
**9:41:38**
